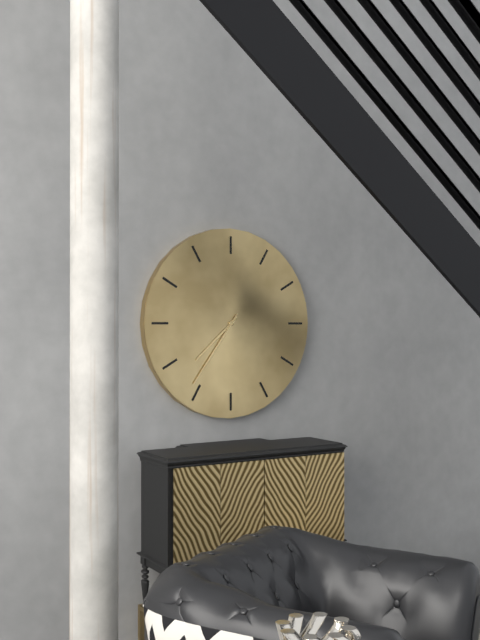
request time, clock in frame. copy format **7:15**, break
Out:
**7:36**
